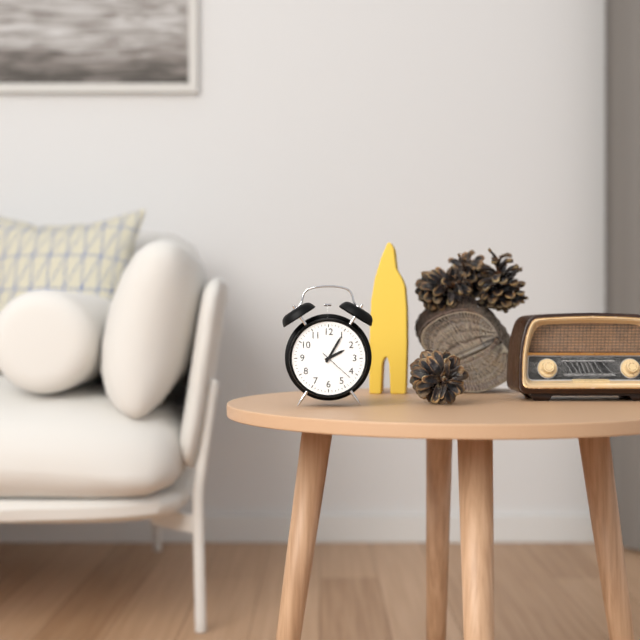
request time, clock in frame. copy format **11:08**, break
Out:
**2:05**
